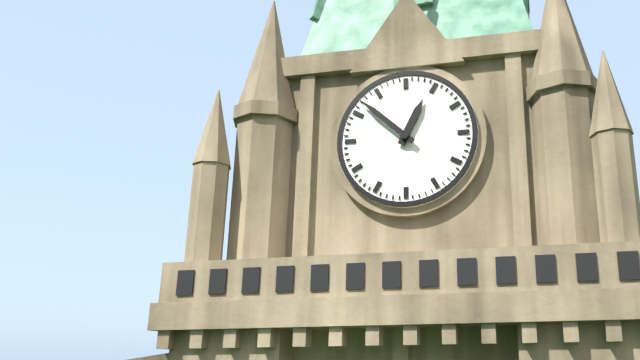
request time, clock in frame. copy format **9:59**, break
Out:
**12:52**
